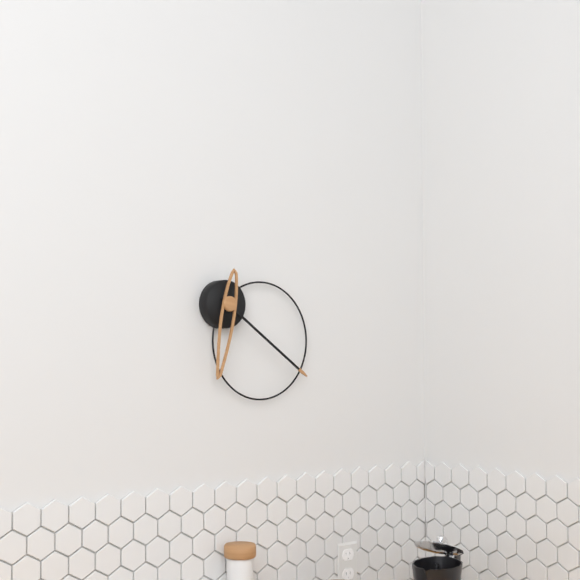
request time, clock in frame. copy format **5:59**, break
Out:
**6:21**
